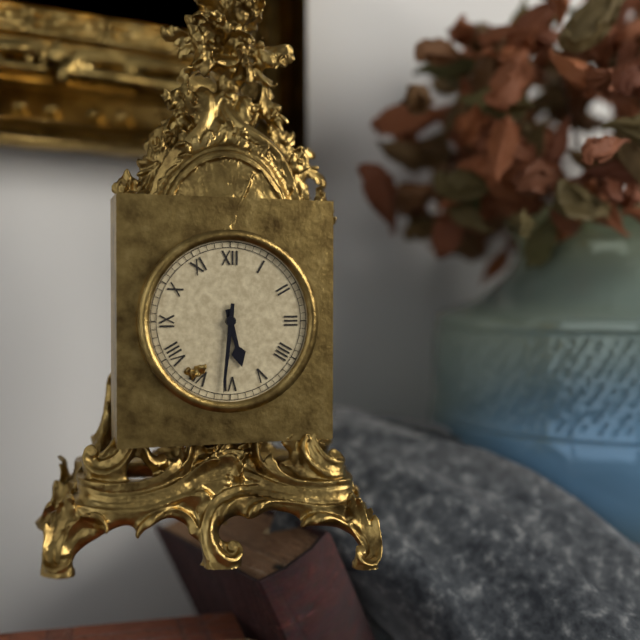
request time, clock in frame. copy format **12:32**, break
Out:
**5:31**
